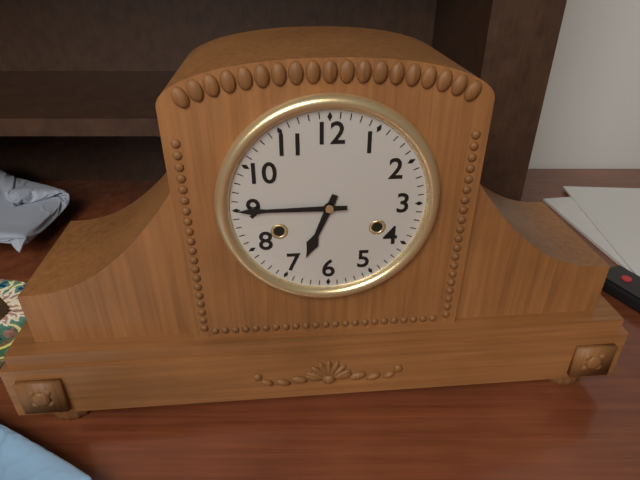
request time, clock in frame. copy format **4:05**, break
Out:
**6:45**
